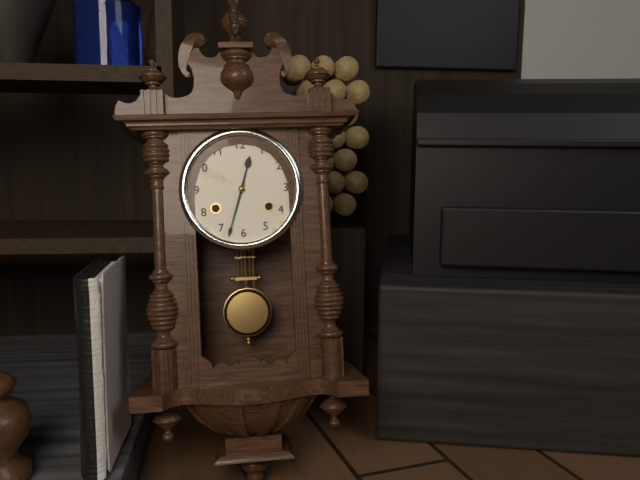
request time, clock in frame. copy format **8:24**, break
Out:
**12:33**
